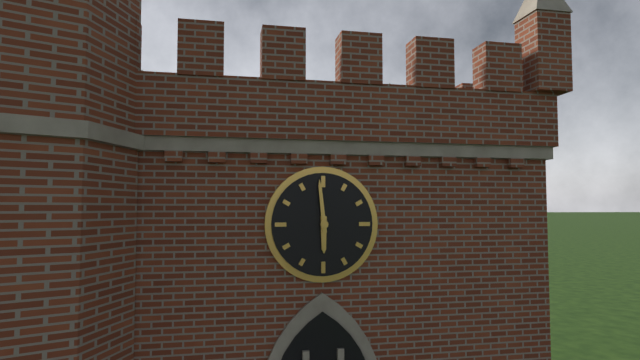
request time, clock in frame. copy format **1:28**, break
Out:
**5:59**
